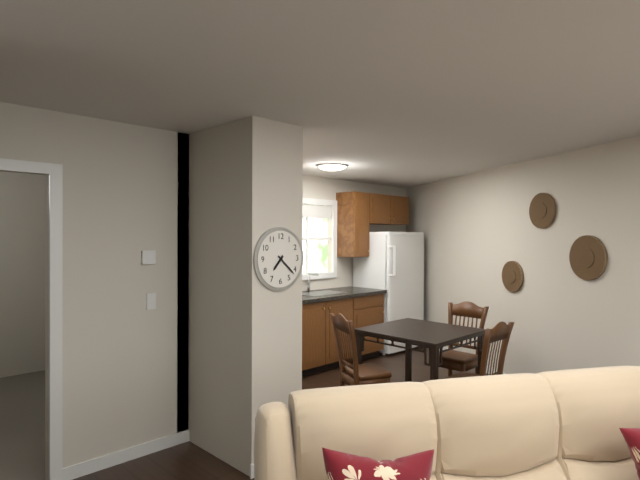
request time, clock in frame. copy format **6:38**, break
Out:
**7:22**
